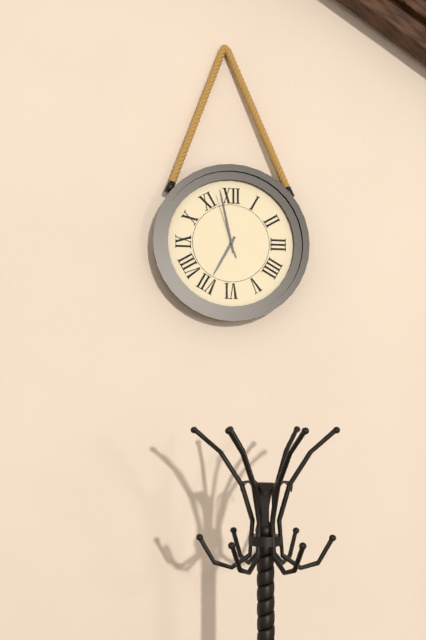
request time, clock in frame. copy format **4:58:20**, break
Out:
**6:58:57**
